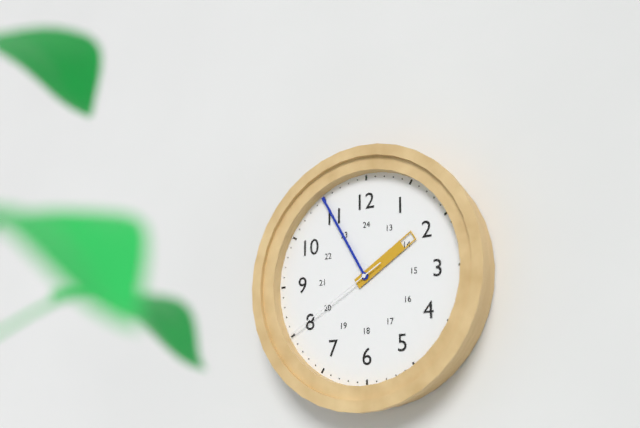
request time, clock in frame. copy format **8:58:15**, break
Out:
**1:55:40**
